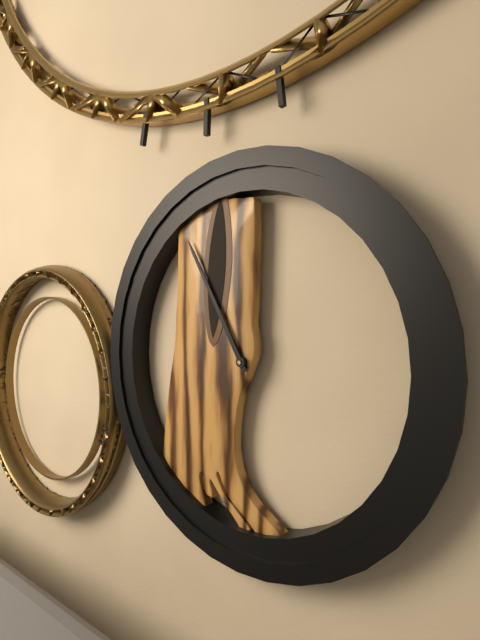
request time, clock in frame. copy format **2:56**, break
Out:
**10:55**
